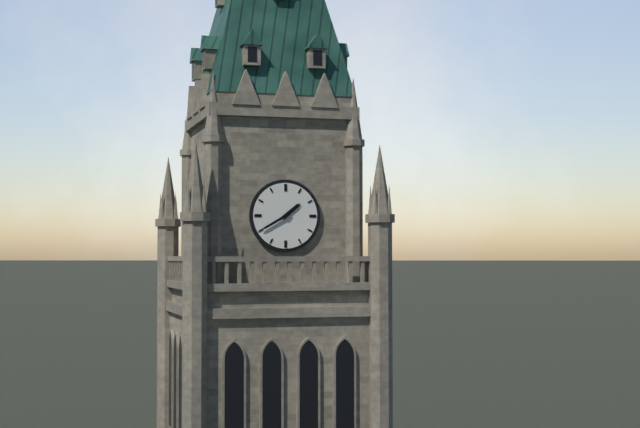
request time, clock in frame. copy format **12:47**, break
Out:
**1:40**
